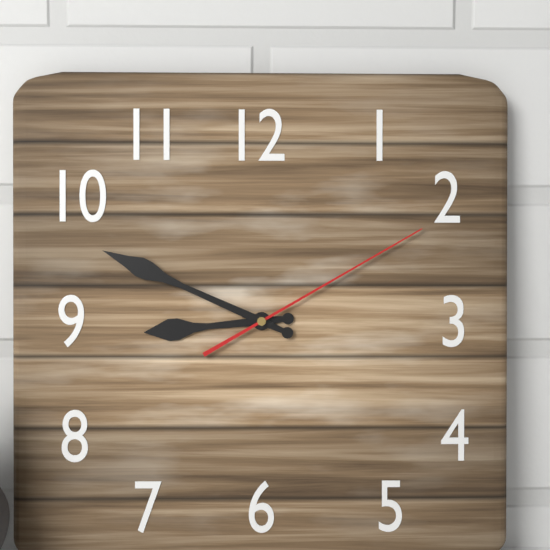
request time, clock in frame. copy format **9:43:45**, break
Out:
**8:49:10**
